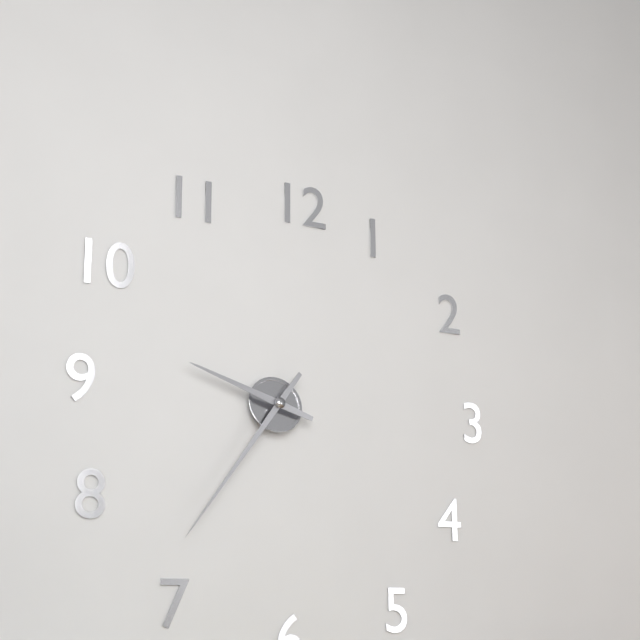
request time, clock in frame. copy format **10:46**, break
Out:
**9:36**
